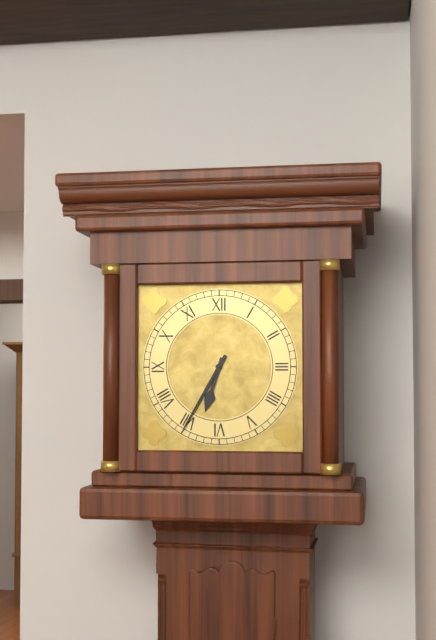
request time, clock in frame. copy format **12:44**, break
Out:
**6:35**
